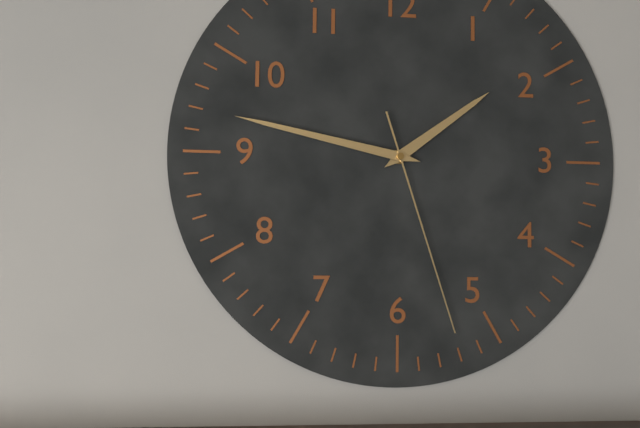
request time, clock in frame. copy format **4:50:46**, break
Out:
**1:47:27**
